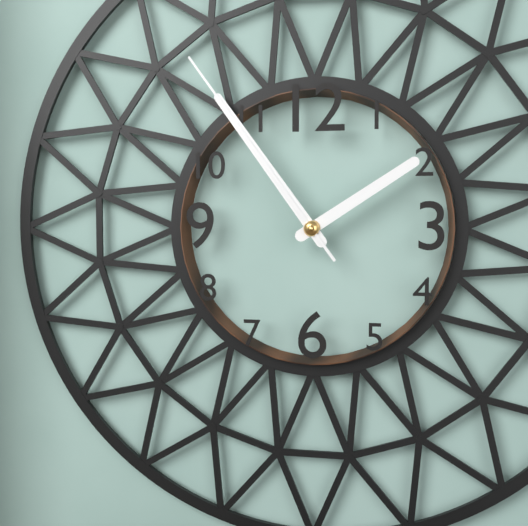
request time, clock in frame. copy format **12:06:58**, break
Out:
**1:54:54**
